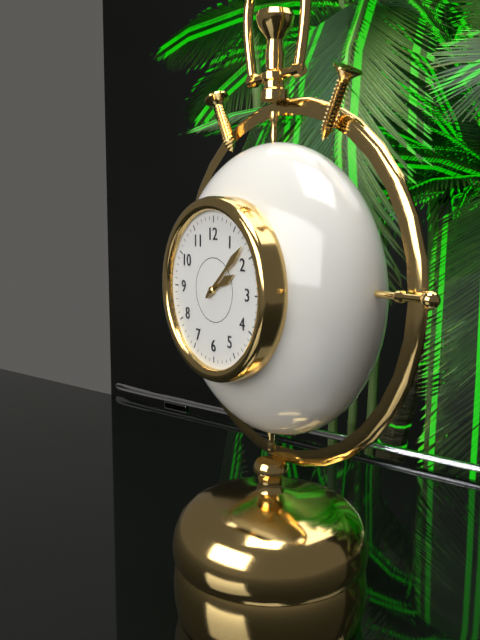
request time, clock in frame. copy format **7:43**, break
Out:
**2:08**
